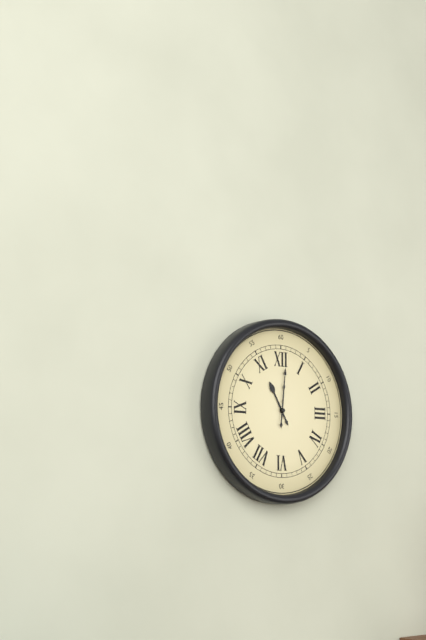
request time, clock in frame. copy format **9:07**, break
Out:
**11:01**
